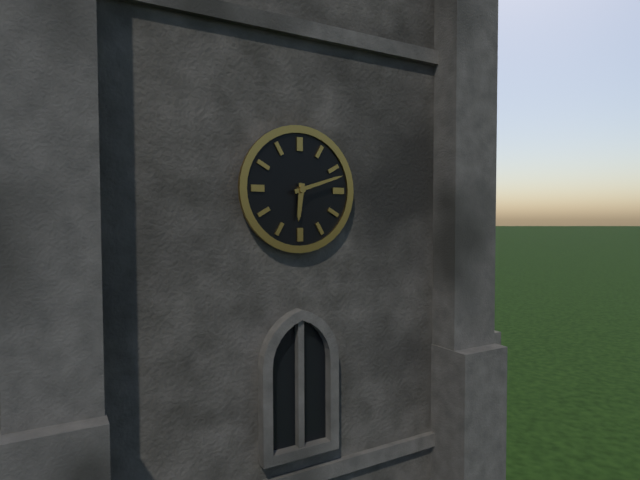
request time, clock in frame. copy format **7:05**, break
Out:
**6:12**
